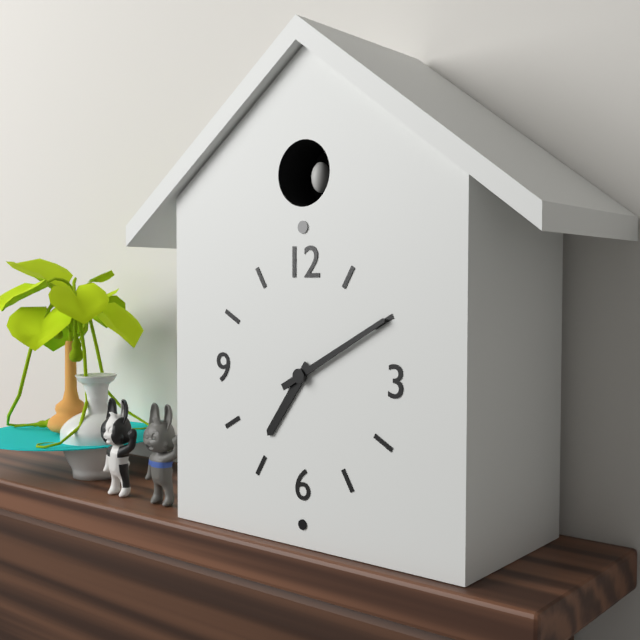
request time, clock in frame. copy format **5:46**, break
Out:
**7:10**
